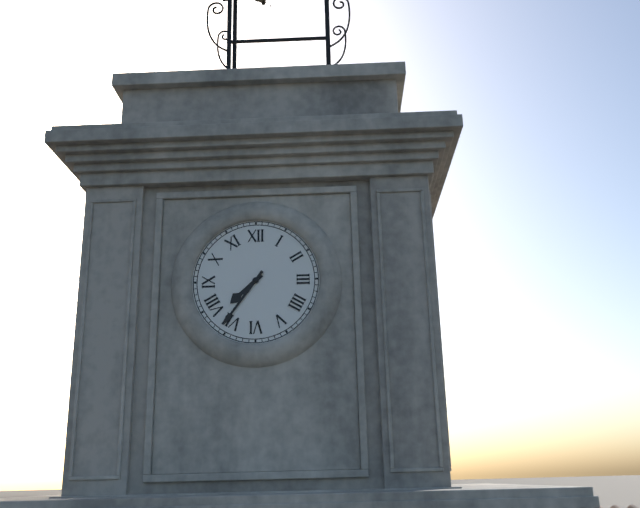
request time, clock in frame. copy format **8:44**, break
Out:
**7:36**
